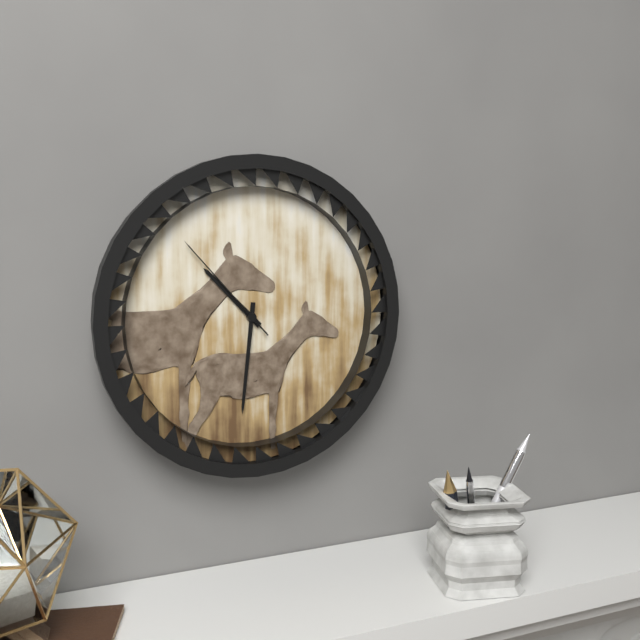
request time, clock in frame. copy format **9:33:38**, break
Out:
**10:31:53**
